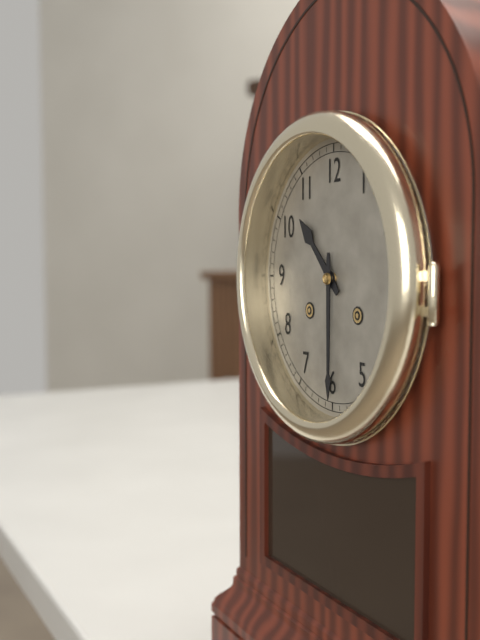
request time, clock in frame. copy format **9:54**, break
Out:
**10:30**
